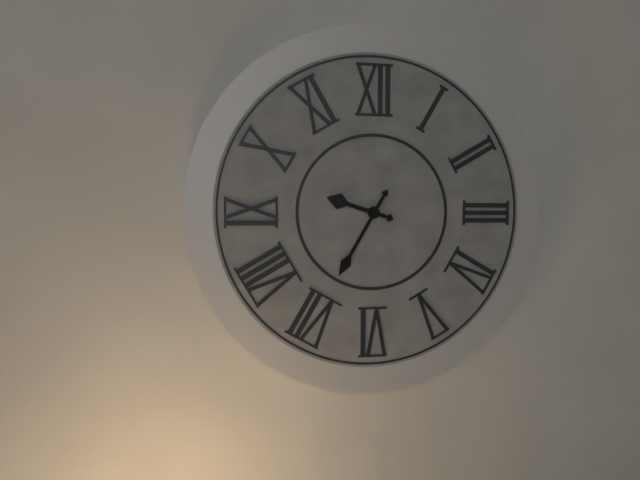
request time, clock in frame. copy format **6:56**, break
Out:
**9:35**
